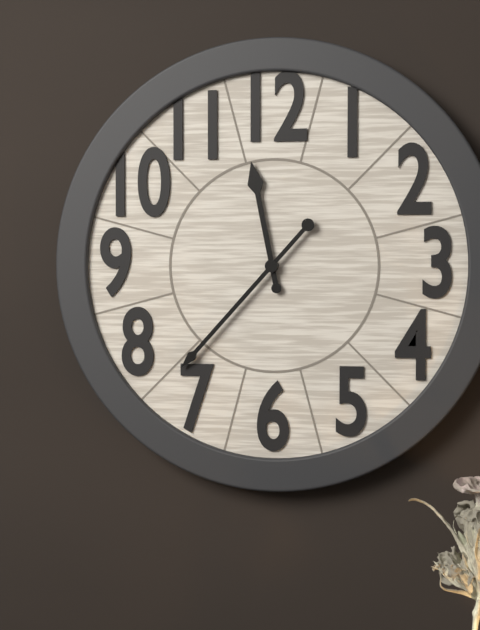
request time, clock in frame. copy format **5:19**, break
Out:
**11:37**
